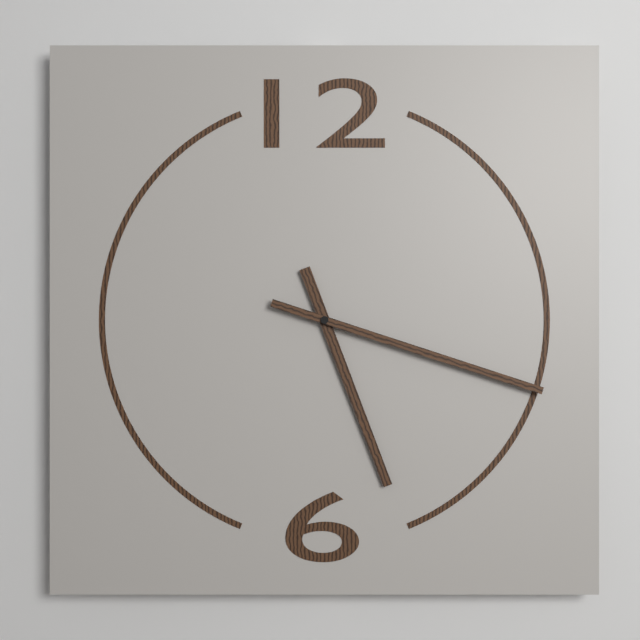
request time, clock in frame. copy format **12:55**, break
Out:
**5:18**
